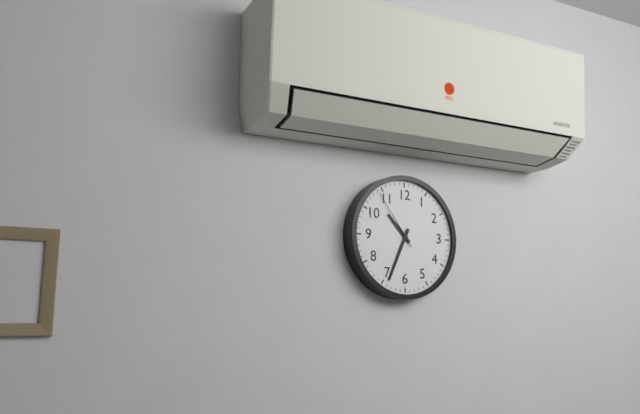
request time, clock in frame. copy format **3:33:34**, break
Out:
**10:34:54**
